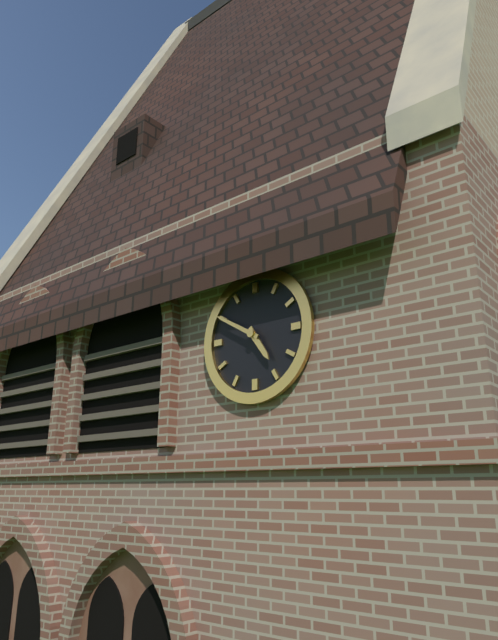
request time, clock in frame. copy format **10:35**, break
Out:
**4:50**
